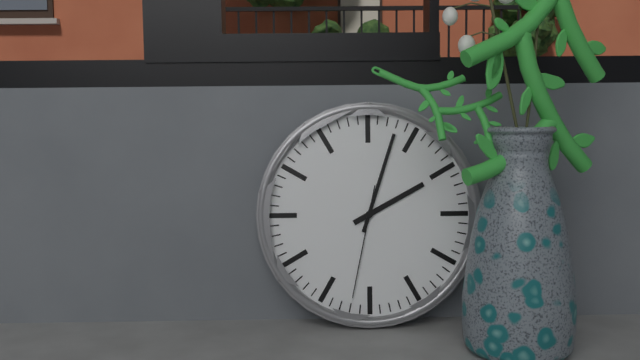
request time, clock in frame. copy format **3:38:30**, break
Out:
**2:03:32**
